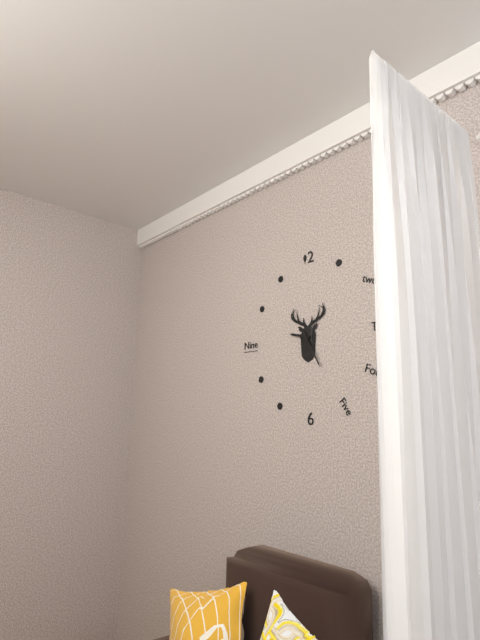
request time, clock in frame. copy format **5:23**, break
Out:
**9:25**
